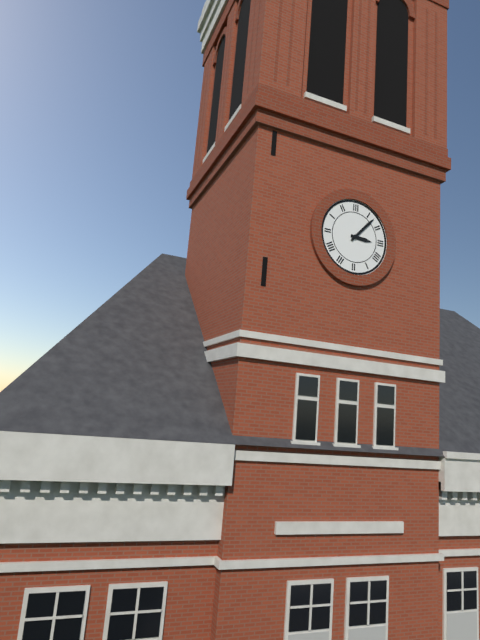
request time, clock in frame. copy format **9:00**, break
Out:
**3:07**
